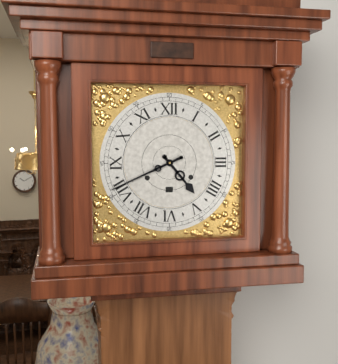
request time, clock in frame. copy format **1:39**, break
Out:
**4:41**
